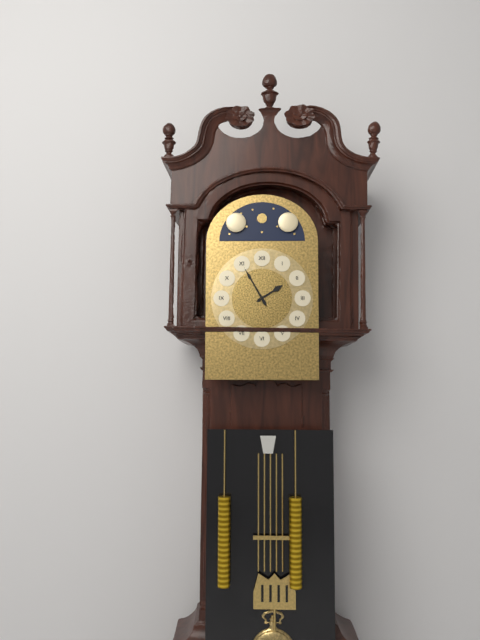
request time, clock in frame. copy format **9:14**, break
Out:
**1:55**
